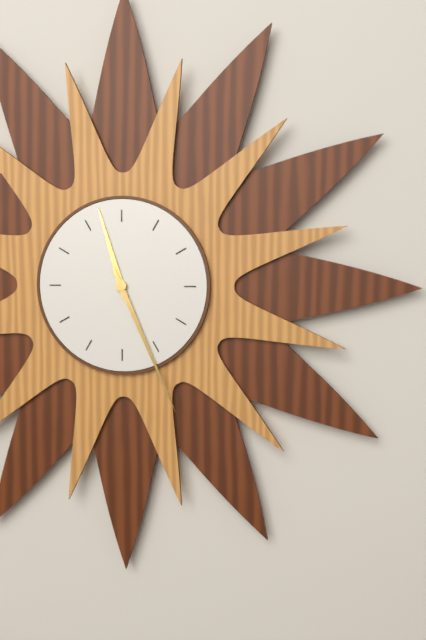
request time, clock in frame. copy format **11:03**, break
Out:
**11:26**
